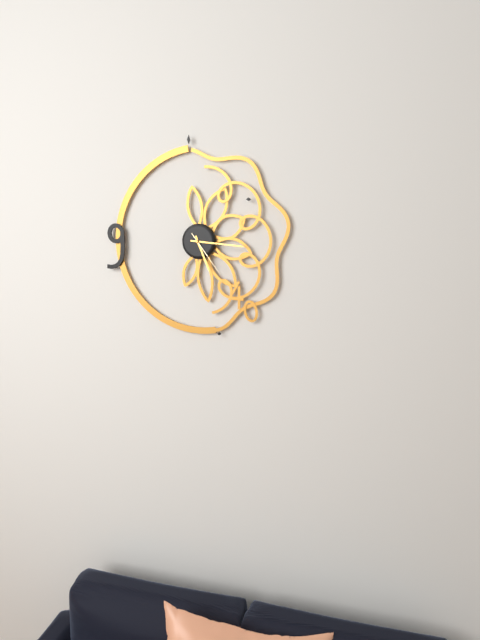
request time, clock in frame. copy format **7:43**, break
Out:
**5:16**
